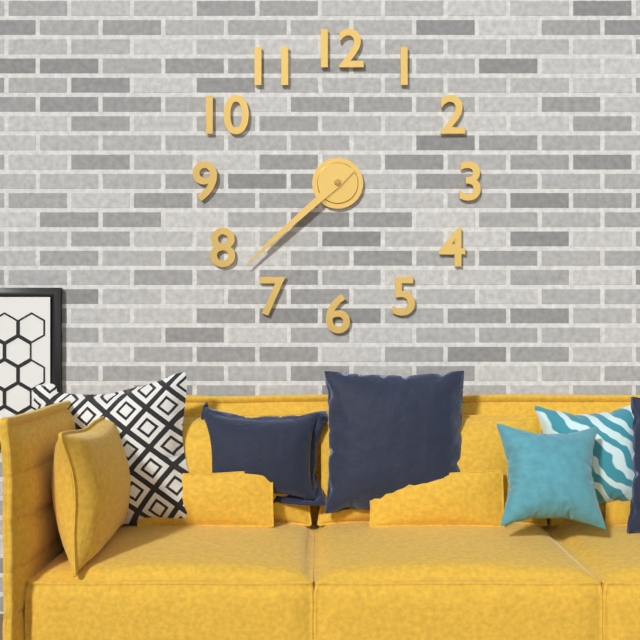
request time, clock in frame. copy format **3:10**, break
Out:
**7:38**
